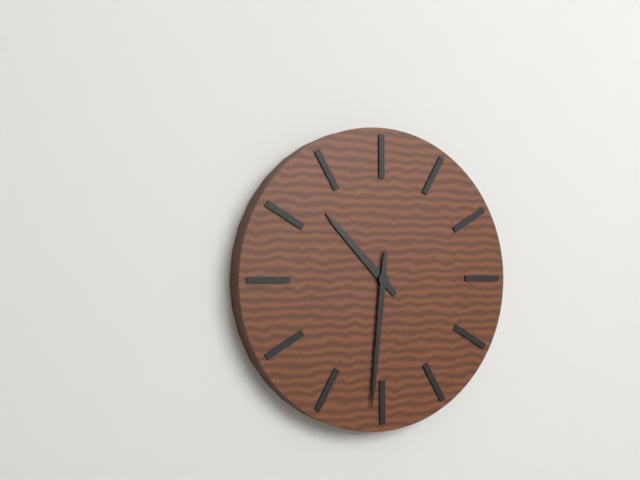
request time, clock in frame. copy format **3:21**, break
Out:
**10:31**
